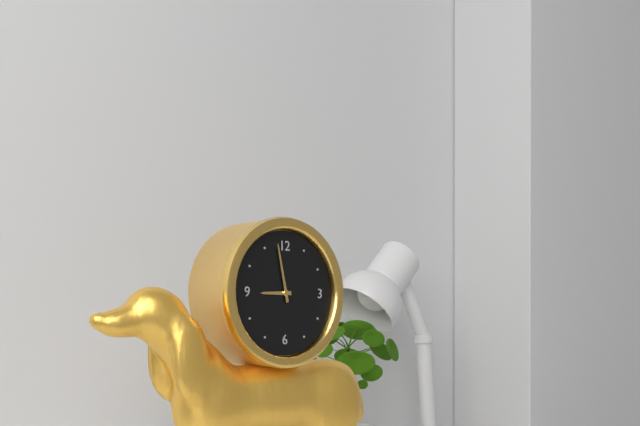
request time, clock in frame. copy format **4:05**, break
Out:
**8:58**
